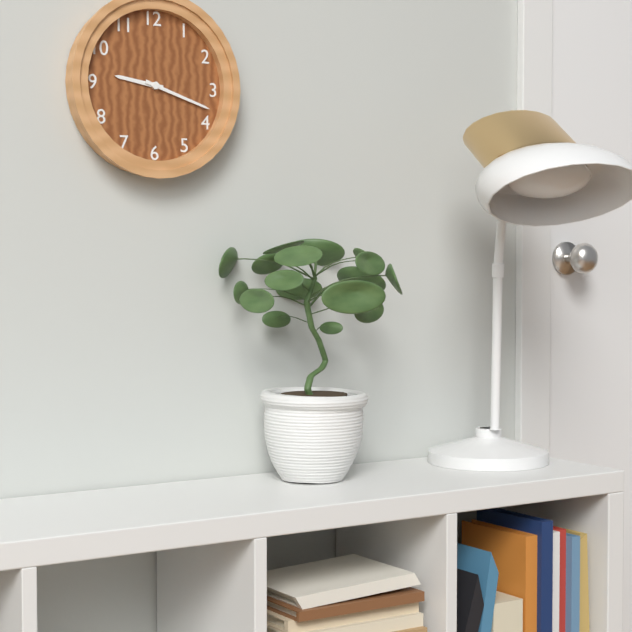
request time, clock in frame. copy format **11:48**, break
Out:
**9:18**
